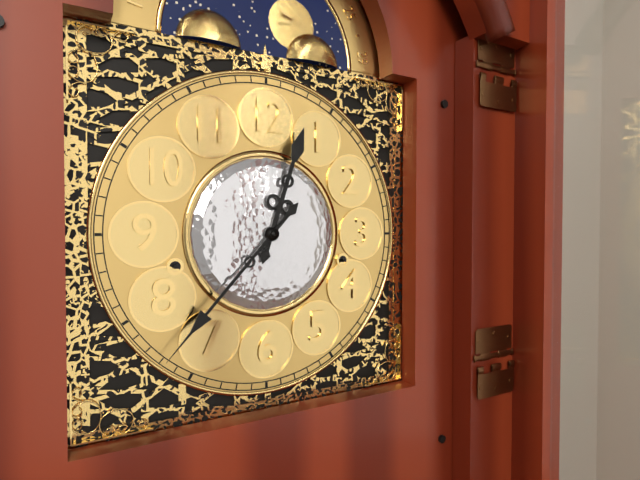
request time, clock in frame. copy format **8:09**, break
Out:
**12:37**
